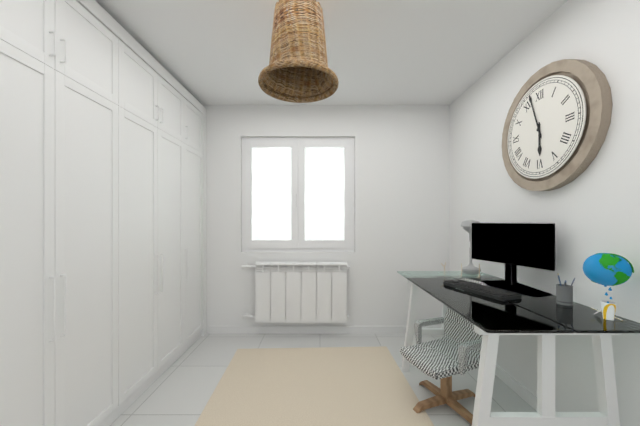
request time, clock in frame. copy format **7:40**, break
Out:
**5:57**
